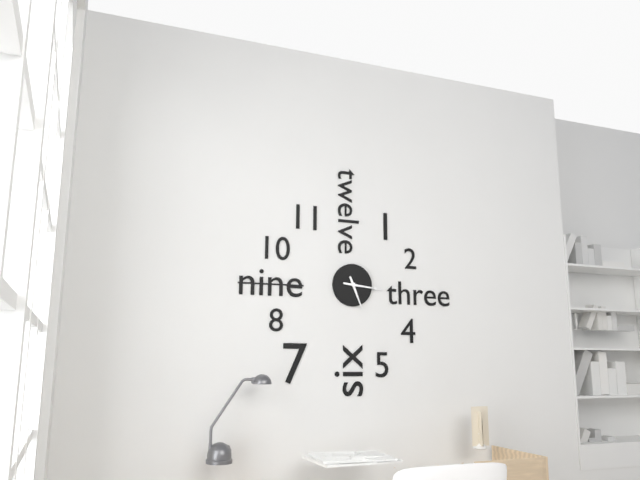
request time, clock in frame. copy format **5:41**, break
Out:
**5:16**
